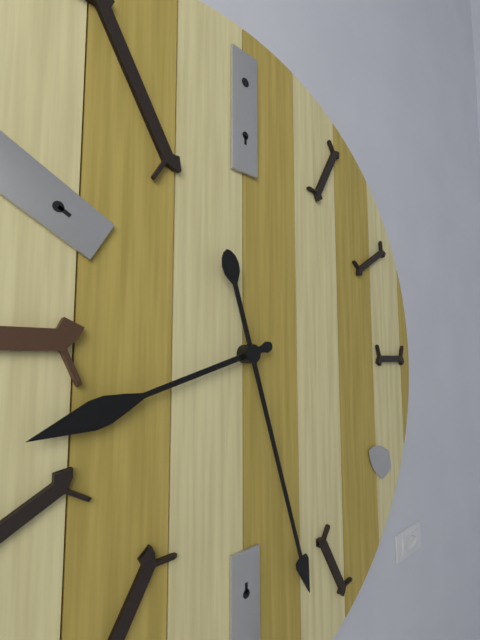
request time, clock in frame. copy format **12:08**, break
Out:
**8:27**
